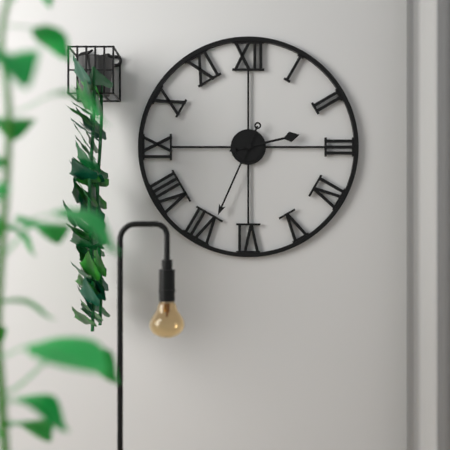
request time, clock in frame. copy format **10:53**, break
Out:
**2:34**
